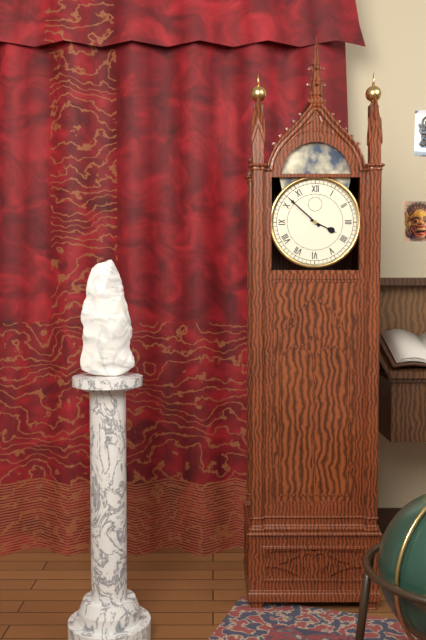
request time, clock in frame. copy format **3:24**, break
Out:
**3:52**
